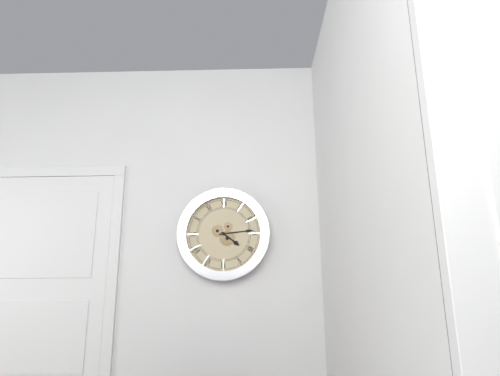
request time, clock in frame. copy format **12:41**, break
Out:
**4:14**
